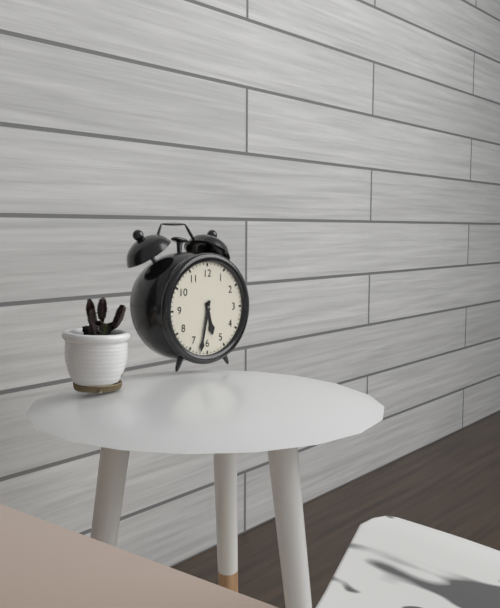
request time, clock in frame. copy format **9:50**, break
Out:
**5:32**
